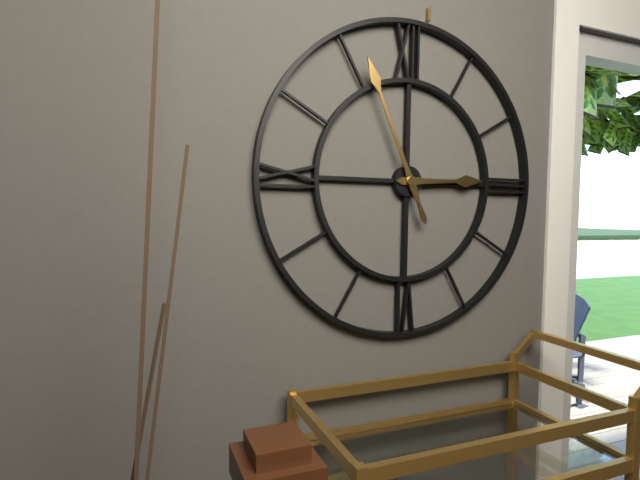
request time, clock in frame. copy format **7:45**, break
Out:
**2:56**
